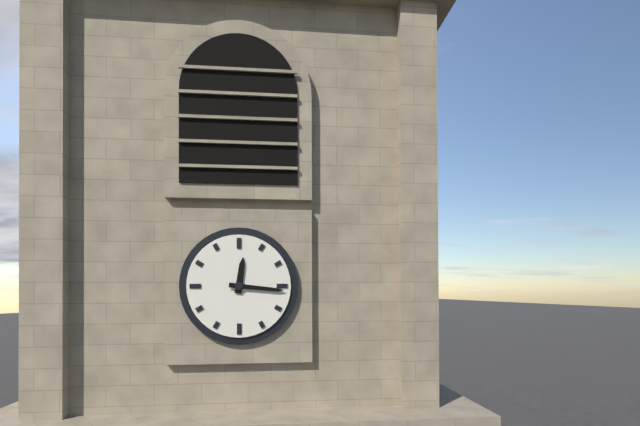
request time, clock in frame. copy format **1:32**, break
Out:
**12:16**
